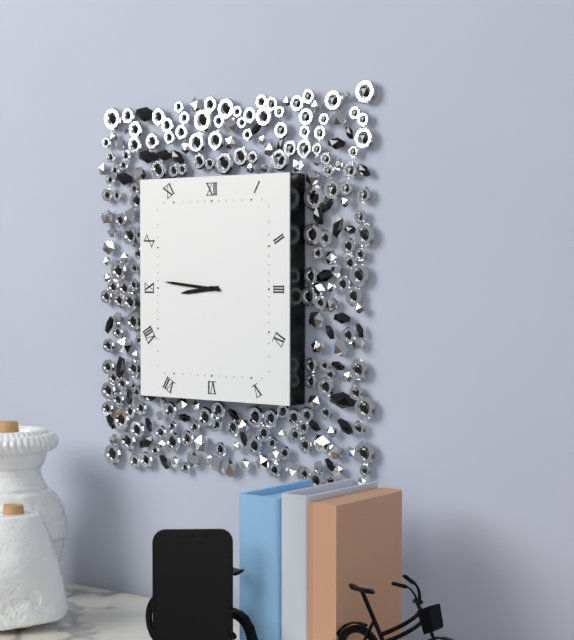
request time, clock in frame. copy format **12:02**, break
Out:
**8:46**
